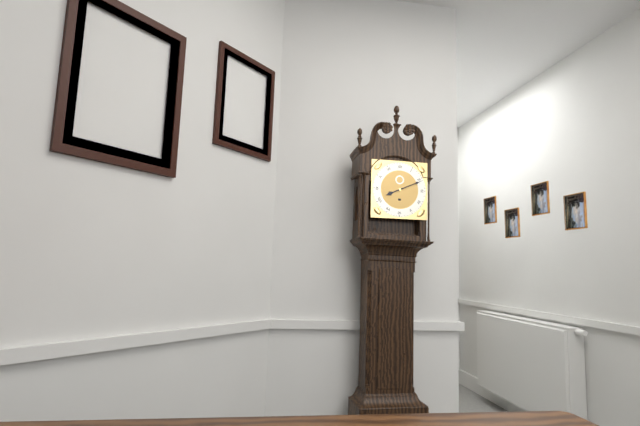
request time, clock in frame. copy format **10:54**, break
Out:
**8:11**
